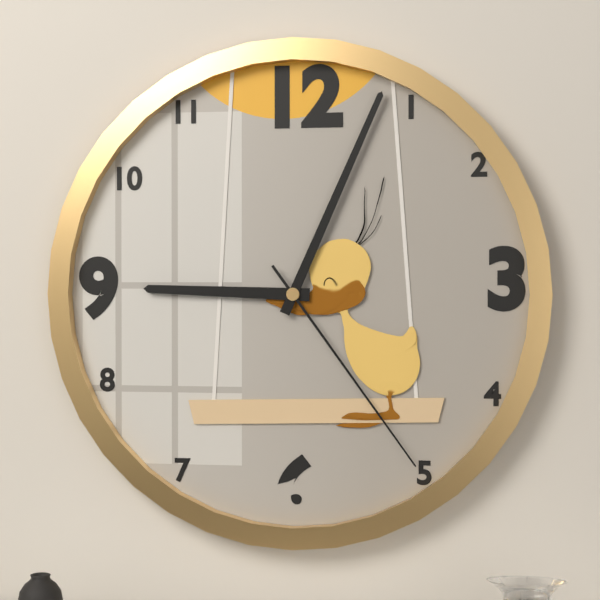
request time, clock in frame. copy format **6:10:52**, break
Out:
**9:04:24**
